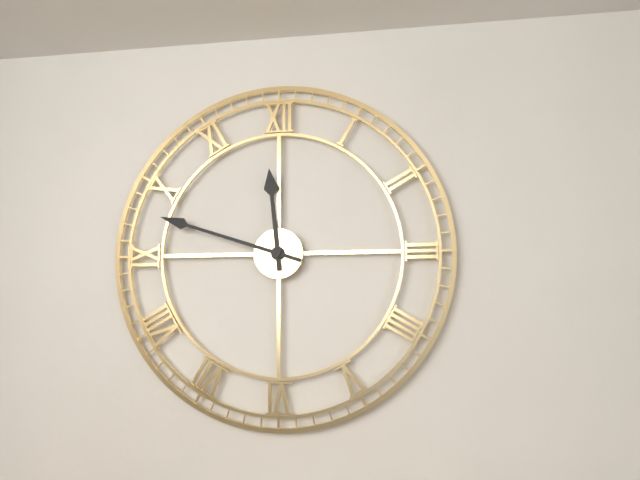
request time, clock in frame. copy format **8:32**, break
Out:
**11:48**
